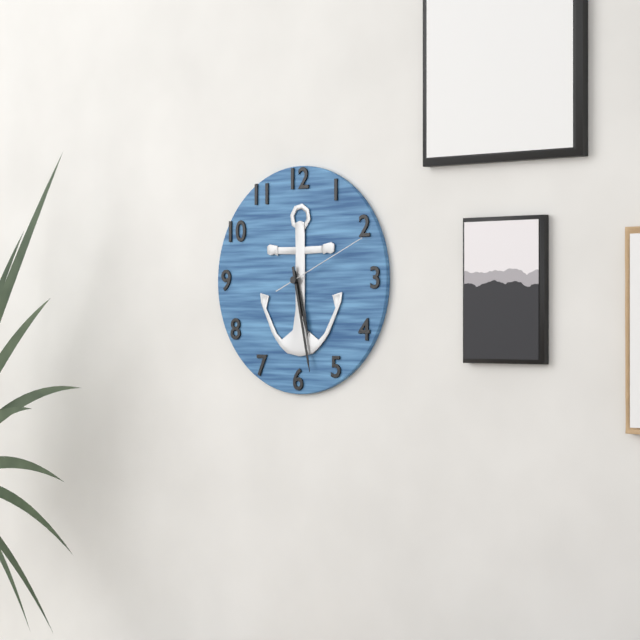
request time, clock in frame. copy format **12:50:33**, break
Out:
**5:28:11**
